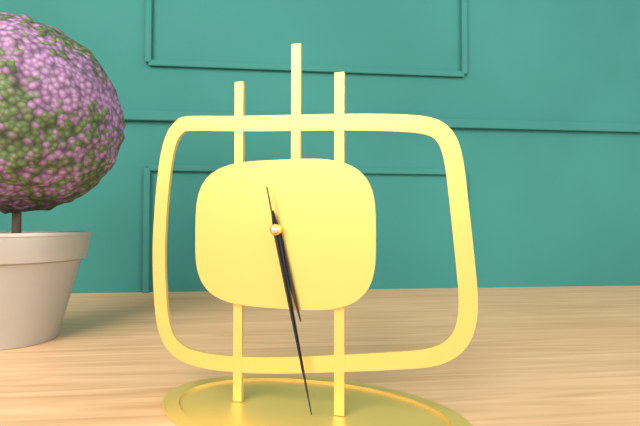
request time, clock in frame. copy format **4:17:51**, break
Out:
**5:28:28**
